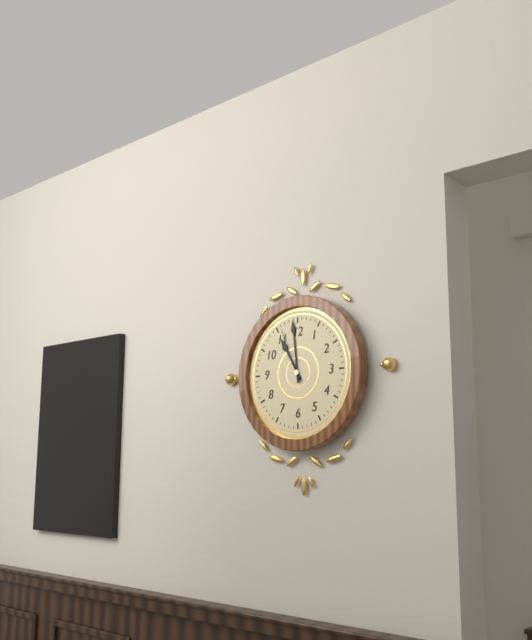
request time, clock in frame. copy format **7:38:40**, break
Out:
**10:59:56**
